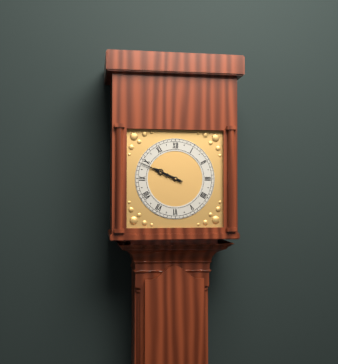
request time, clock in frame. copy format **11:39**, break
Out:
**9:49**
